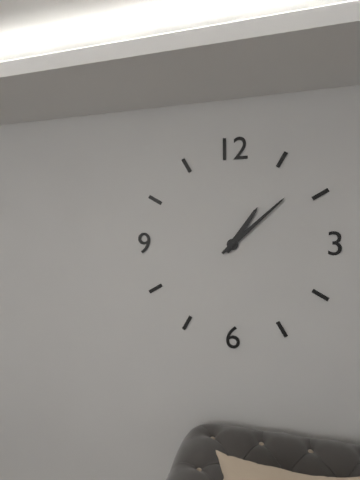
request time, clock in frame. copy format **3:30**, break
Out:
**1:08**
